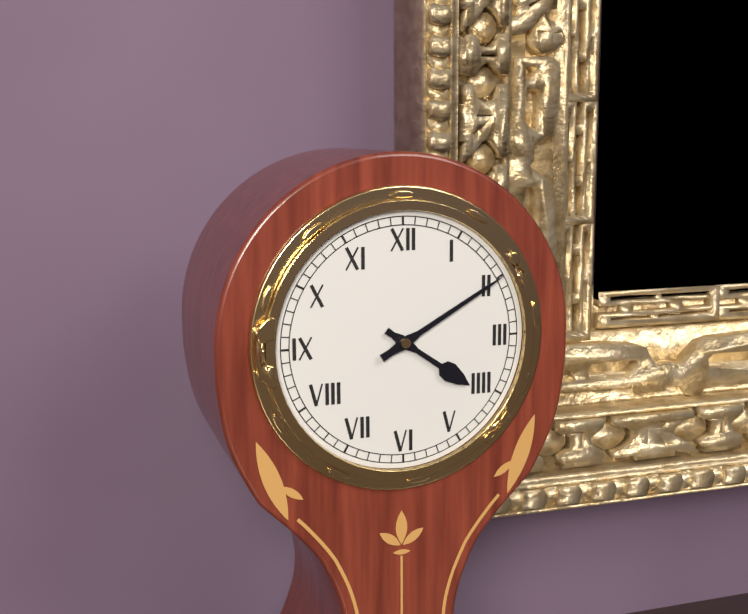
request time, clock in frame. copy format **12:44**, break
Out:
**4:10**
